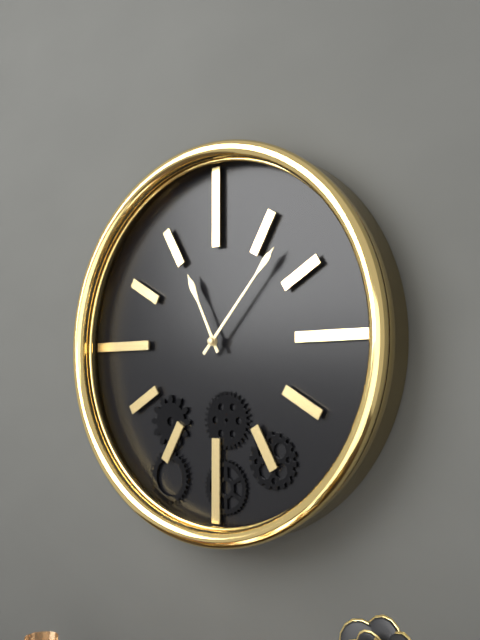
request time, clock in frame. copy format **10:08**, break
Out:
**11:07**
